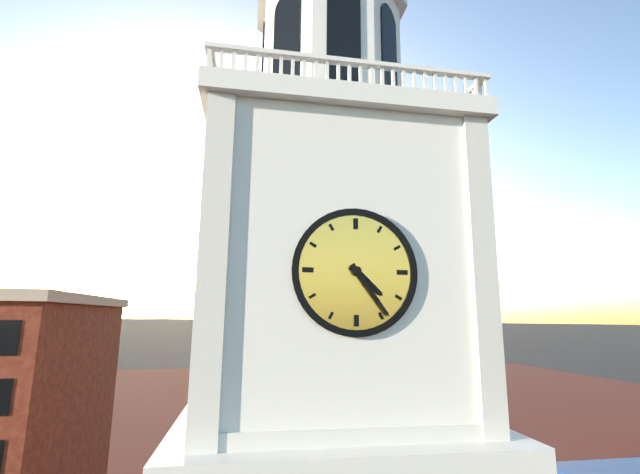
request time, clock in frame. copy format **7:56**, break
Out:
**4:24**
